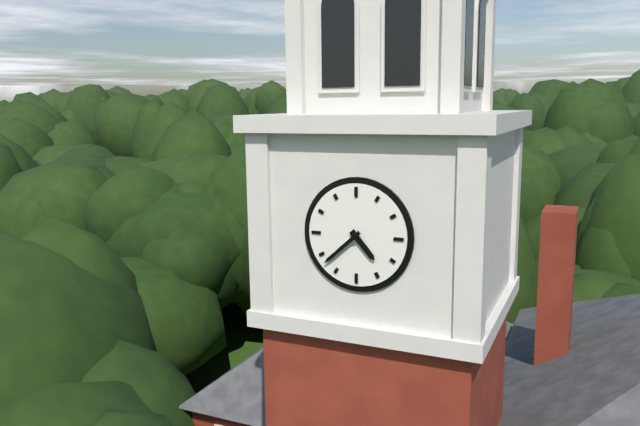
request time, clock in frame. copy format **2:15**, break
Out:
**4:38**
